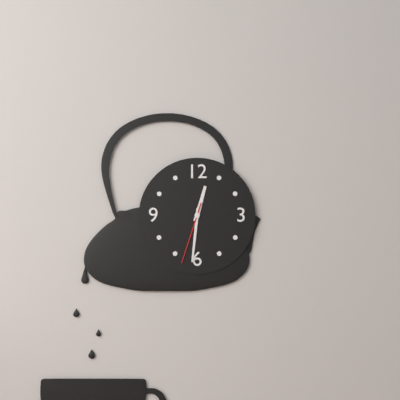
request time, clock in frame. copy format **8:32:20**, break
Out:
**12:31:33**
